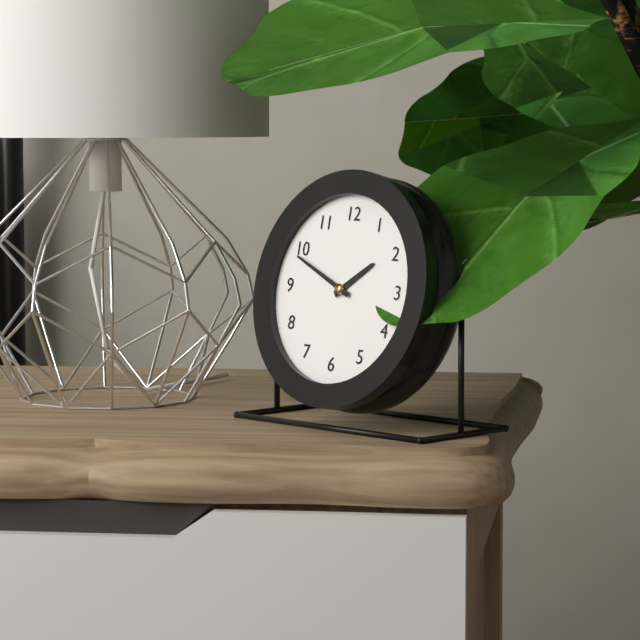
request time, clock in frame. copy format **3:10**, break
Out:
**1:49**
